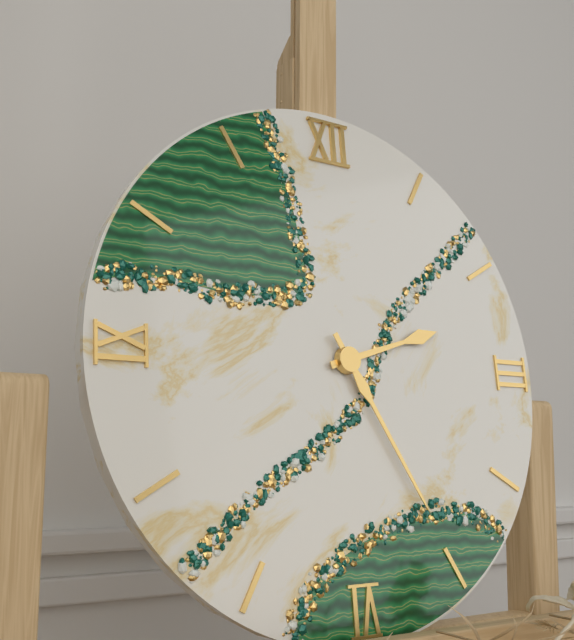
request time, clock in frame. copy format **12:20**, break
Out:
**2:25**
